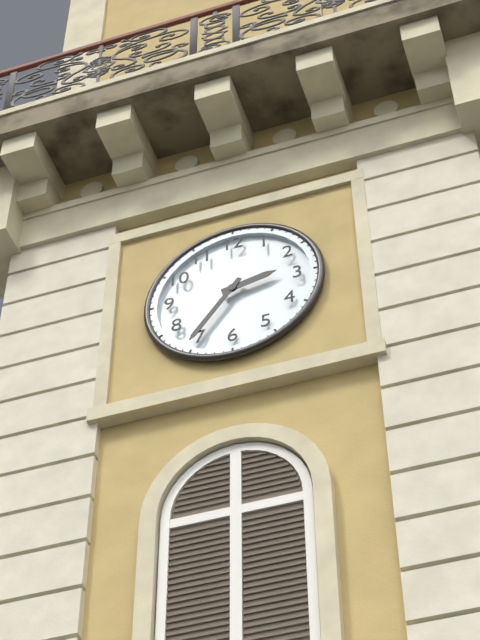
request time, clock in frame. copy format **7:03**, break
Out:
**2:36**
